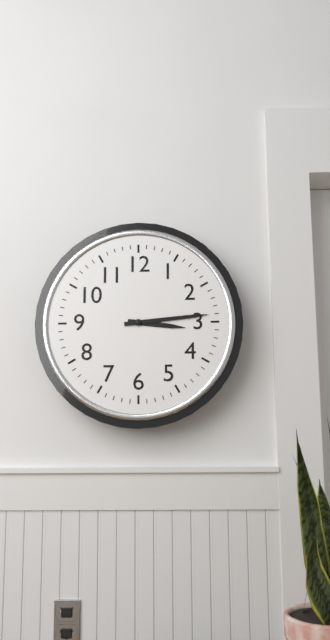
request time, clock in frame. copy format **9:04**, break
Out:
**3:14**
